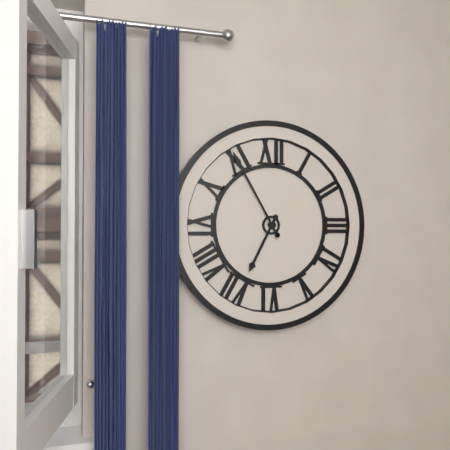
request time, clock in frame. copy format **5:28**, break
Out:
**6:55**
